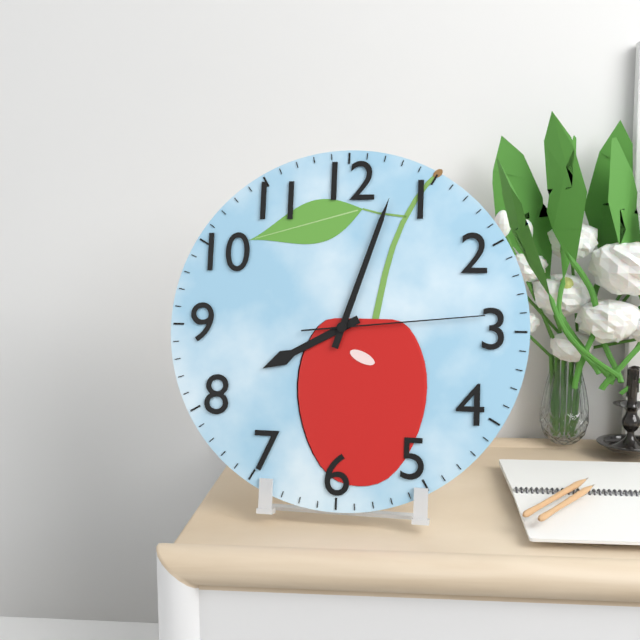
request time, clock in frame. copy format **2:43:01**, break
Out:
**8:03:14**
